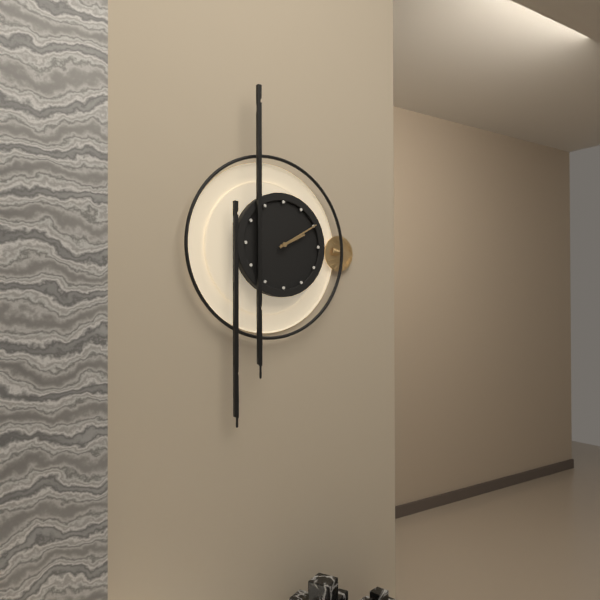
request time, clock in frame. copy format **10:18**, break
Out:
**2:10**
